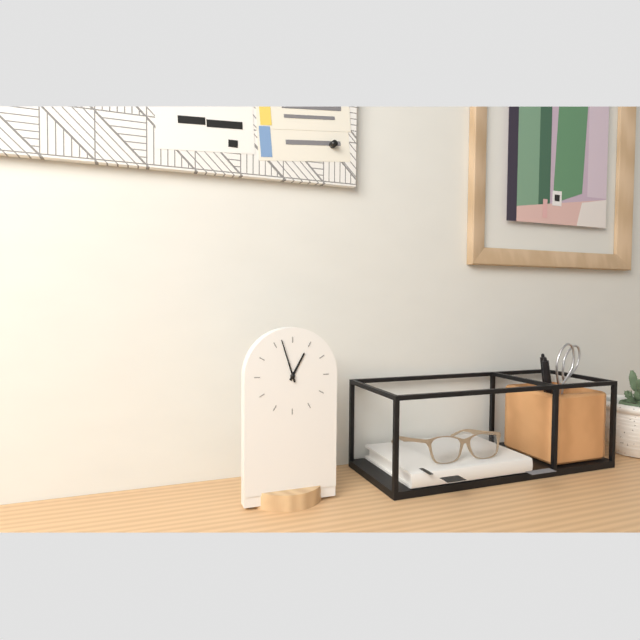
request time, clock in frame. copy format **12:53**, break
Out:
**12:57**
